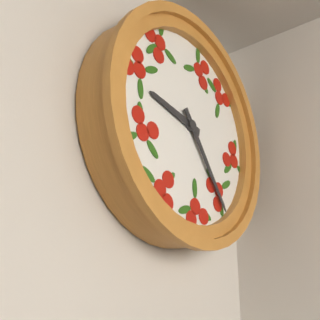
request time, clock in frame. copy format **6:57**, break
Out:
**9:24**
